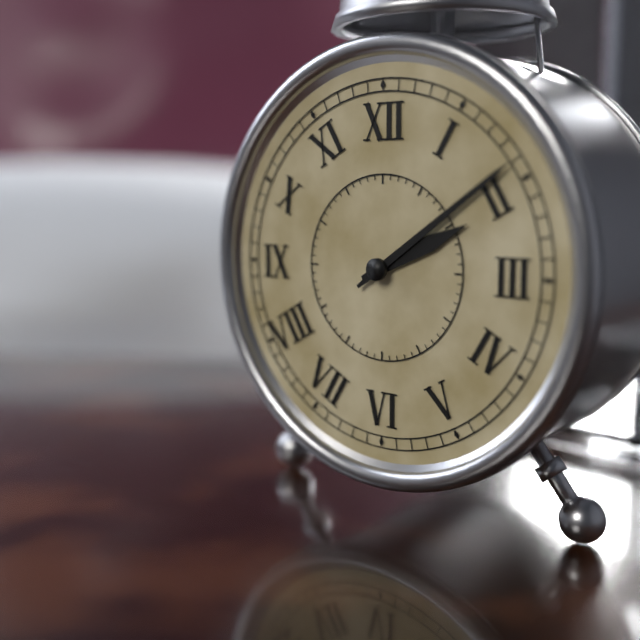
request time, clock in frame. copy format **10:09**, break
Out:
**2:09**
